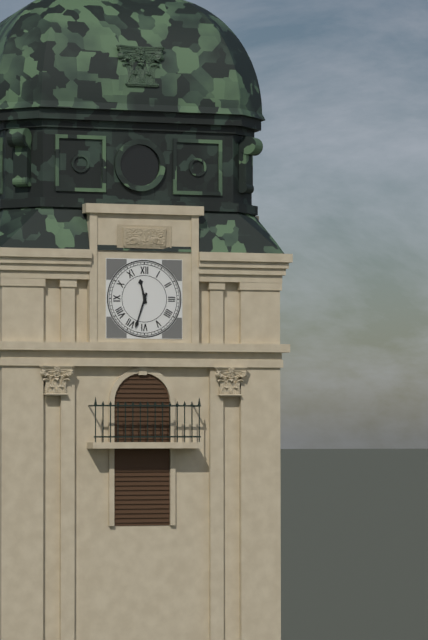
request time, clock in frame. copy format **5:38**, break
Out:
**11:33**
